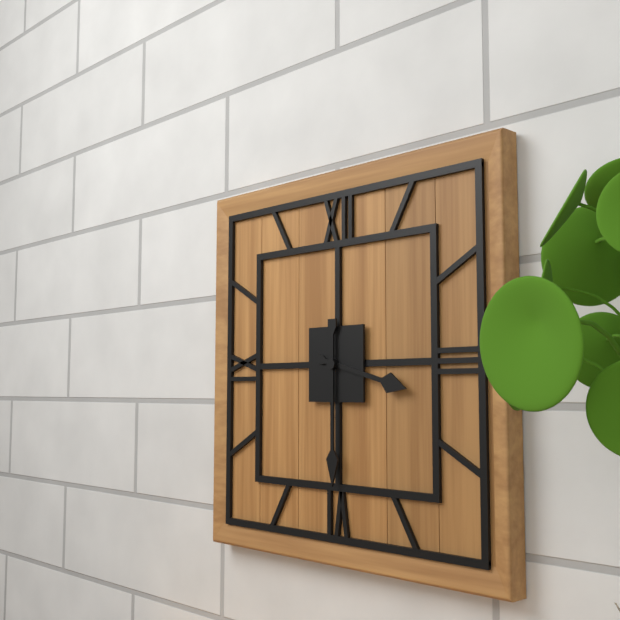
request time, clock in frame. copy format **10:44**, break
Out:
**3:30**
